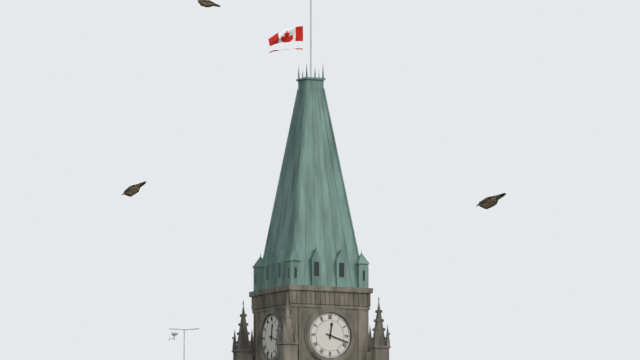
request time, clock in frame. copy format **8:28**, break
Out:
**12:18**
